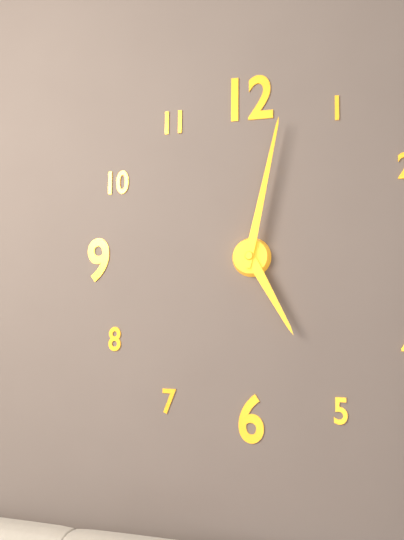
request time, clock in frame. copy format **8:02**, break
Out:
**5:02**
